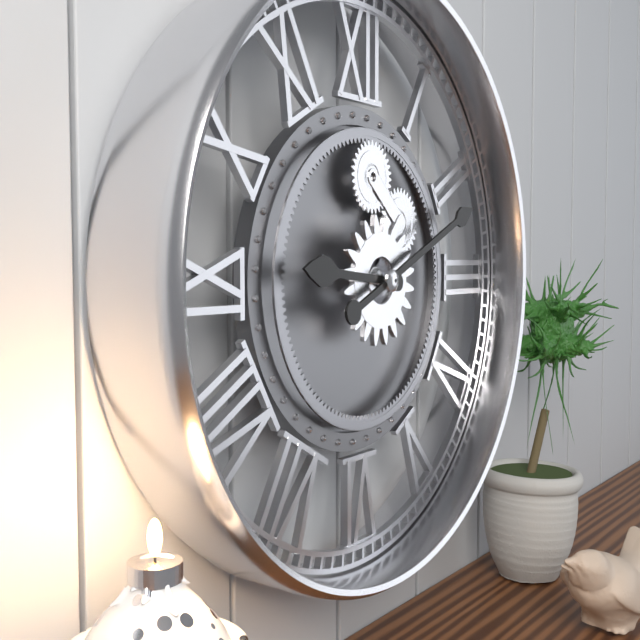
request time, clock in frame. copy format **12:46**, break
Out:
**9:11**
